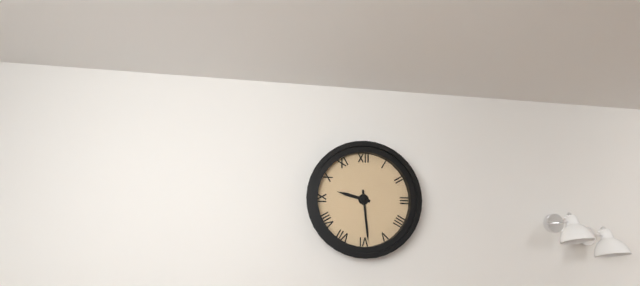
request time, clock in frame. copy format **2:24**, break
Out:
**9:29**
